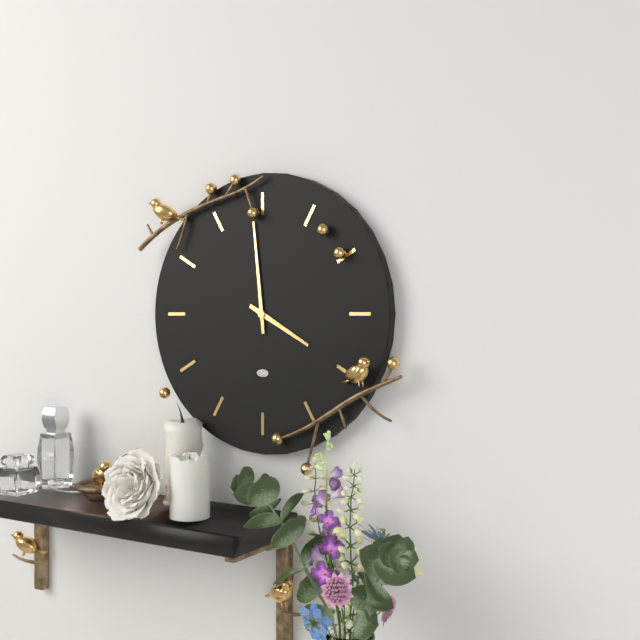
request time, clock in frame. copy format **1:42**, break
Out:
**3:59**
